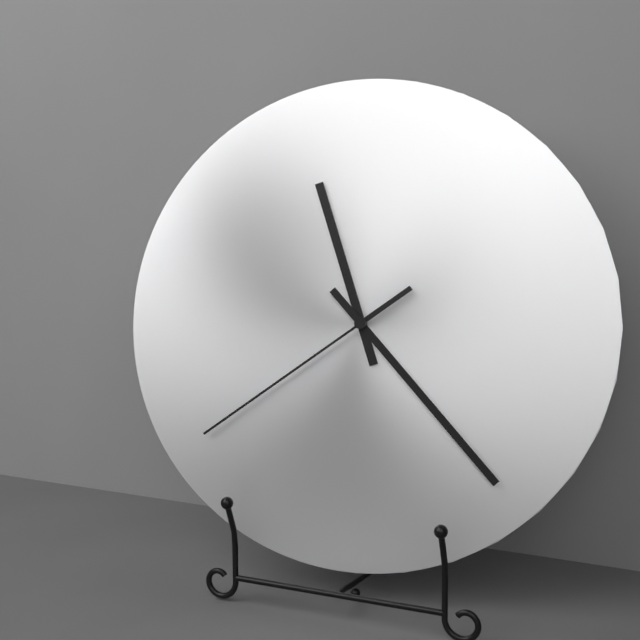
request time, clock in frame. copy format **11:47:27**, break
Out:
**11:23:39**
